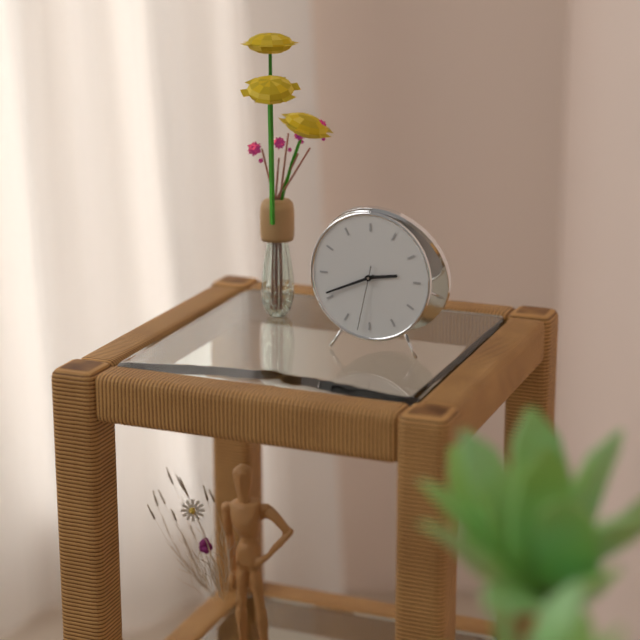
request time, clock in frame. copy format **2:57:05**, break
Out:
**2:41:32**
